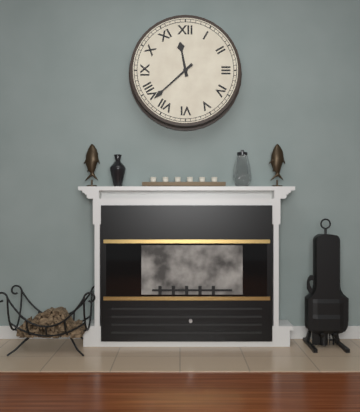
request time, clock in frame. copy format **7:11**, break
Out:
**11:38**
